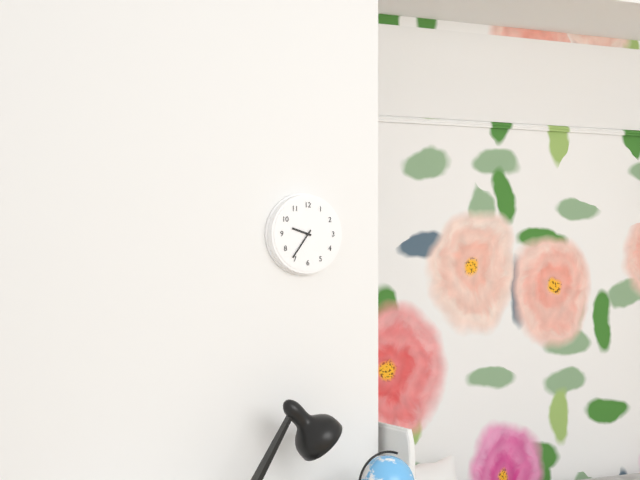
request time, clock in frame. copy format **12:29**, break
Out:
**9:36**
